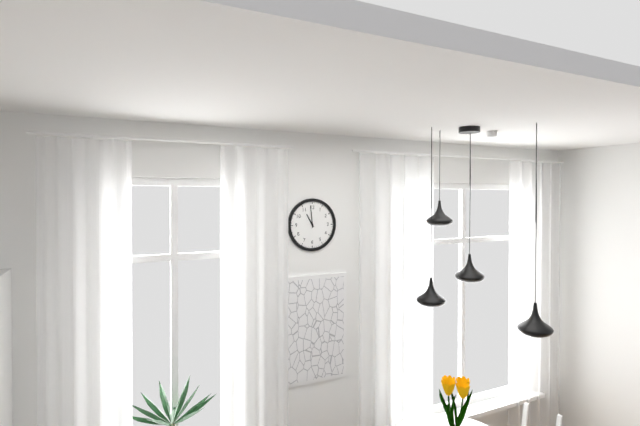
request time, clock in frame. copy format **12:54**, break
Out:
**10:59**
